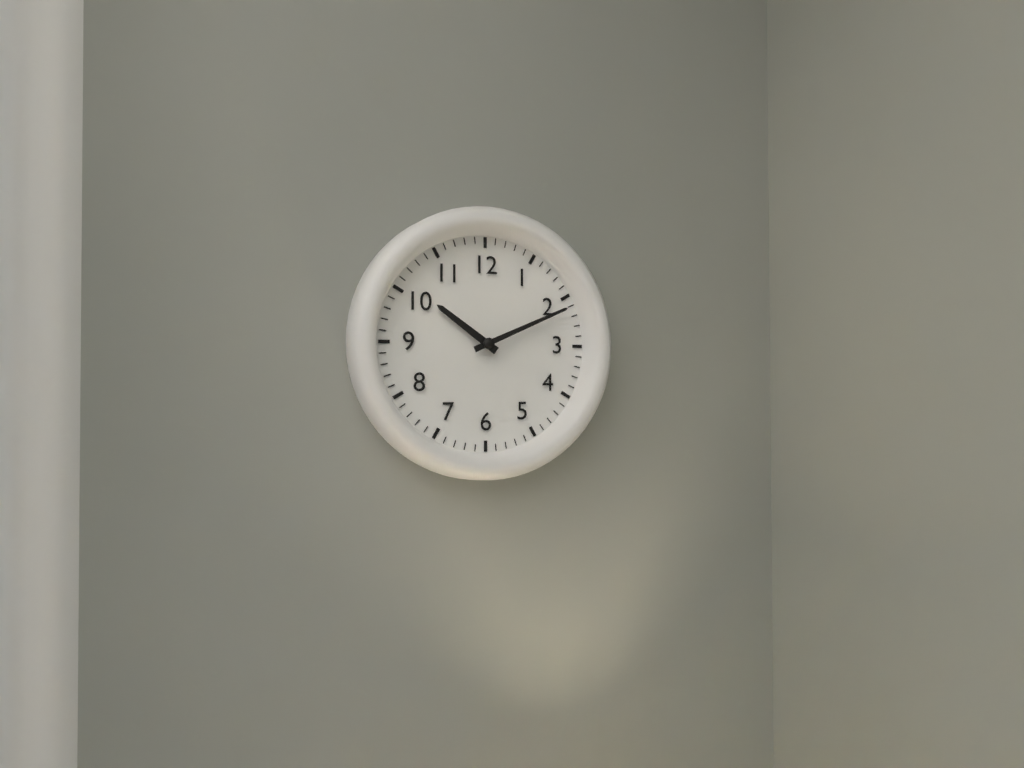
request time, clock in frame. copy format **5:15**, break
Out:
**10:11**
